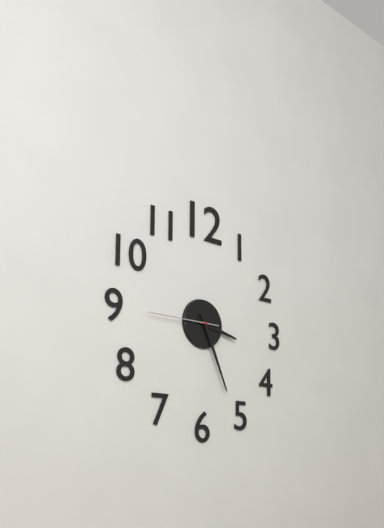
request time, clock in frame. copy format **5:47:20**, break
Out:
**3:26:45**
